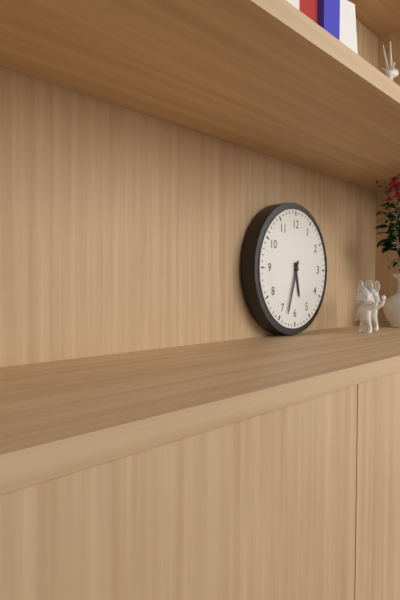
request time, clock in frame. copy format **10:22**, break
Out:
**5:33**
